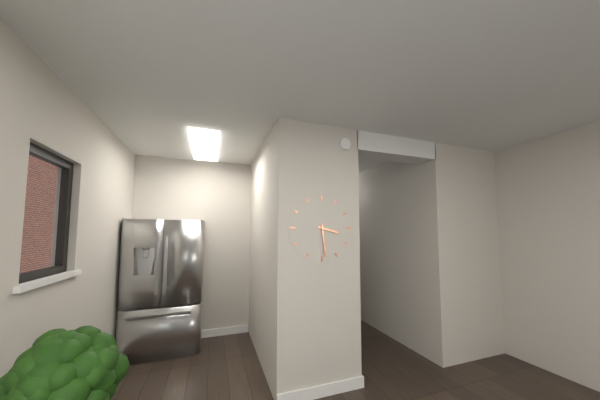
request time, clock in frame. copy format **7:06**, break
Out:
**3:29**
